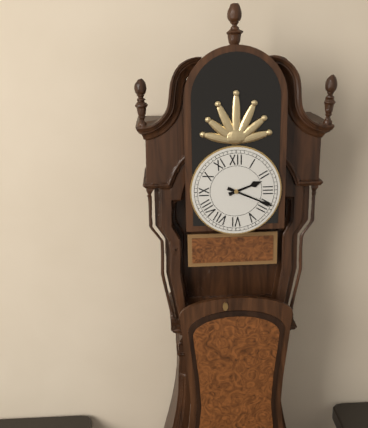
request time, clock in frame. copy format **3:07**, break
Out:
**2:19**
